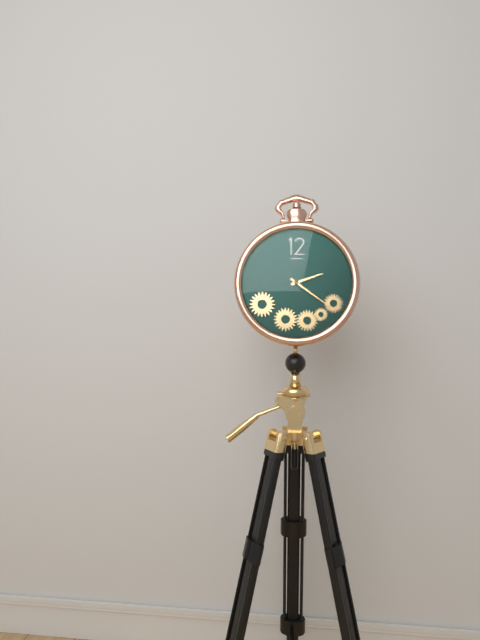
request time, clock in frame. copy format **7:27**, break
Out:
**2:21**
